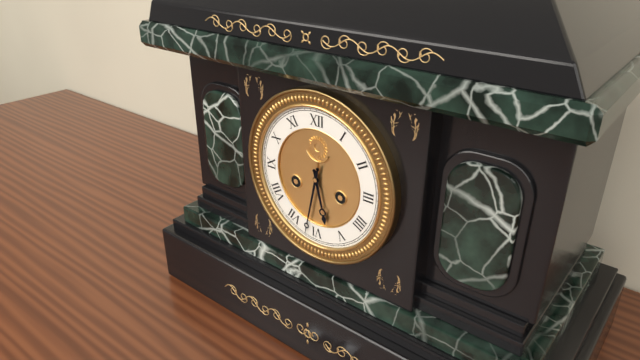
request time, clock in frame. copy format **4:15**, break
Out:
**5:32**
